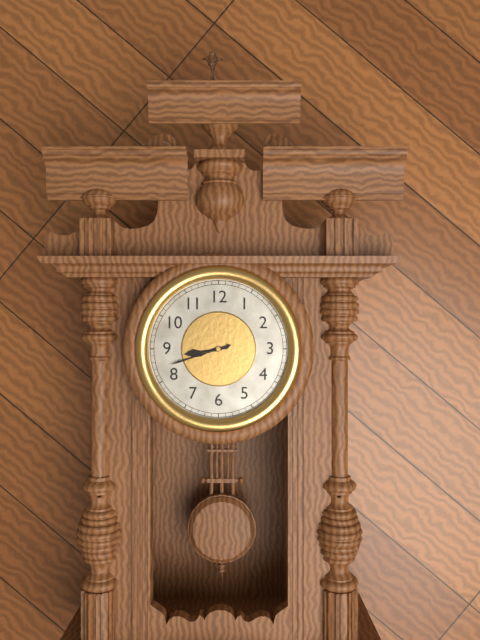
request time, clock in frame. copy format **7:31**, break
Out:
**8:42**
